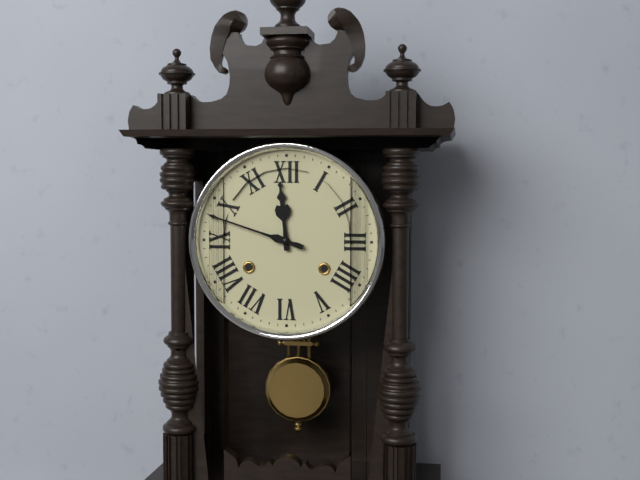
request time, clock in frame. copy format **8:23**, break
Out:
**11:48**
